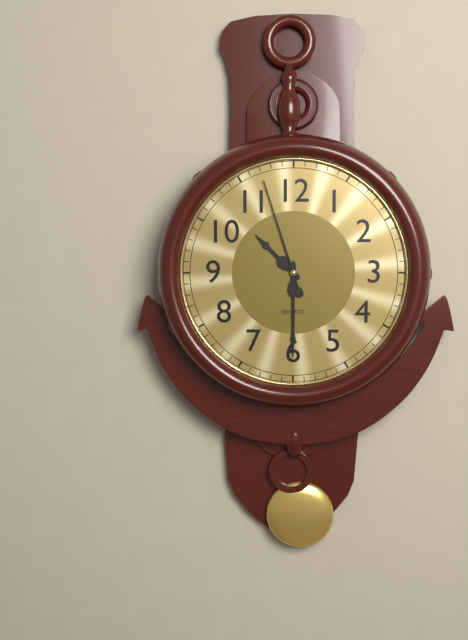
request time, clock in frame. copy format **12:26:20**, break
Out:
**10:30:57**
